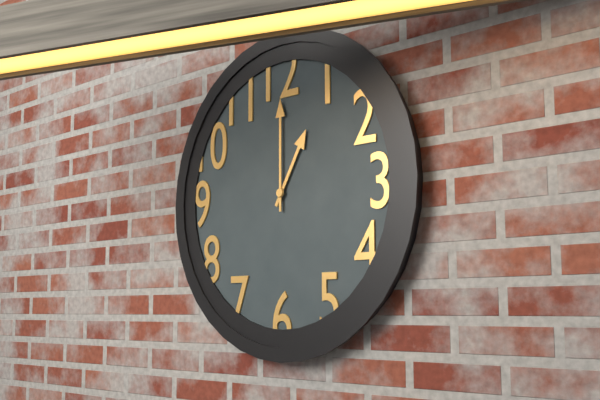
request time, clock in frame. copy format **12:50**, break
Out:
**1:00**
